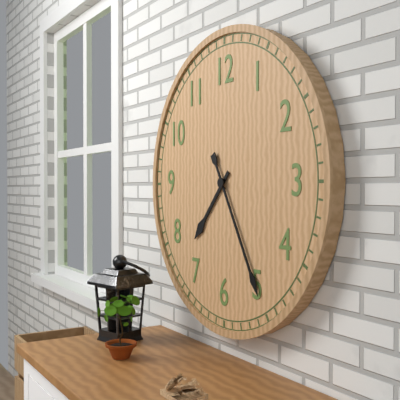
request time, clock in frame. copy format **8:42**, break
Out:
**7:25**
